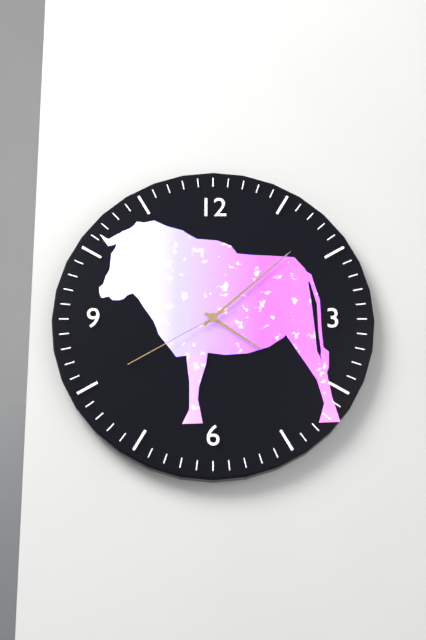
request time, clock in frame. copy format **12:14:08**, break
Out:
**4:08:40**
